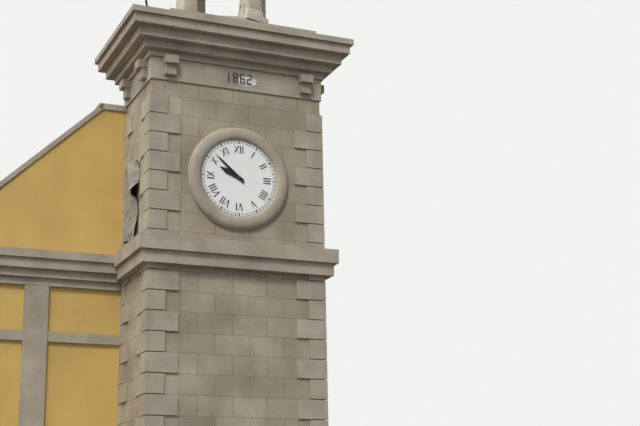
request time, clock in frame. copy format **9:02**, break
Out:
**9:52**
